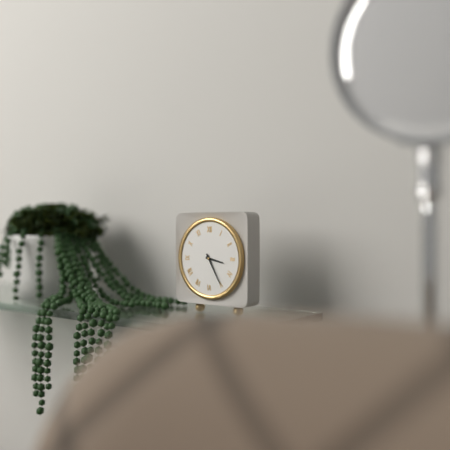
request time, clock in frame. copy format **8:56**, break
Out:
**3:25**
